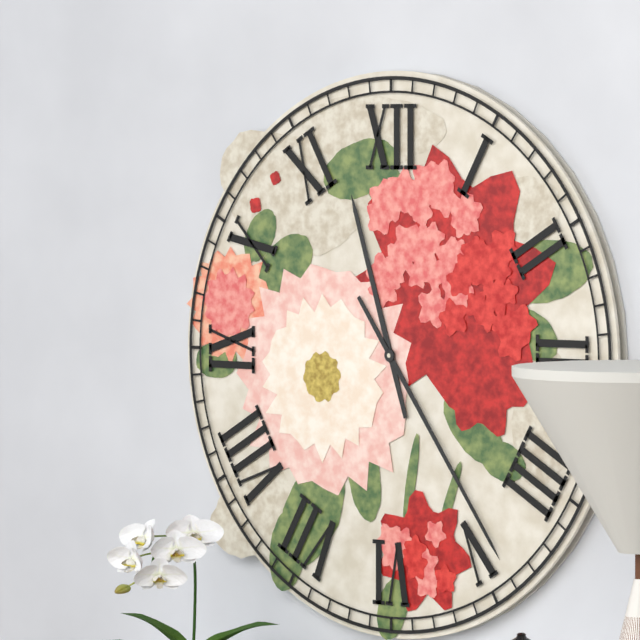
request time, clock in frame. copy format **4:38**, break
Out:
**11:24**
